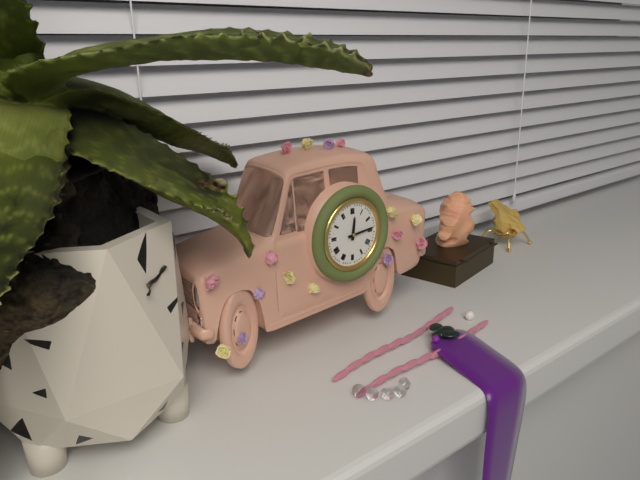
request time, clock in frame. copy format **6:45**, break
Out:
**12:14**
